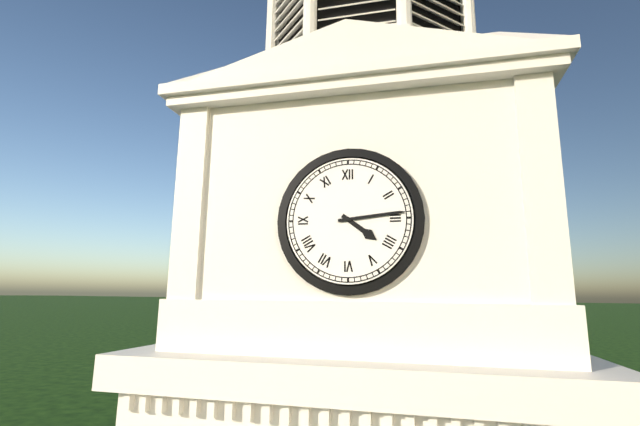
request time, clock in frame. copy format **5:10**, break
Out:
**4:14**
